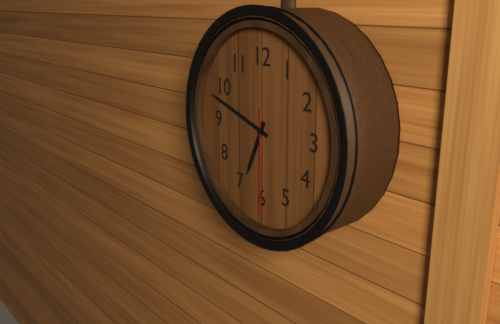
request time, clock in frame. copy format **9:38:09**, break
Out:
**6:48:30**
